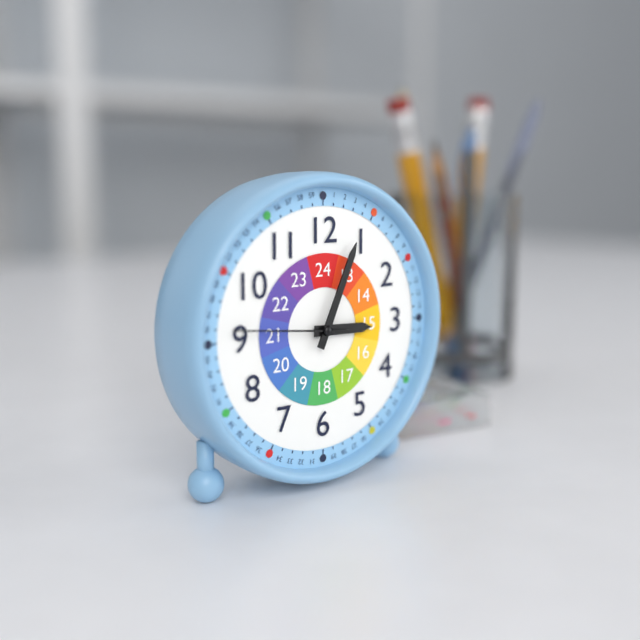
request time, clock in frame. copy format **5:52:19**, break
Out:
**3:04:46**
